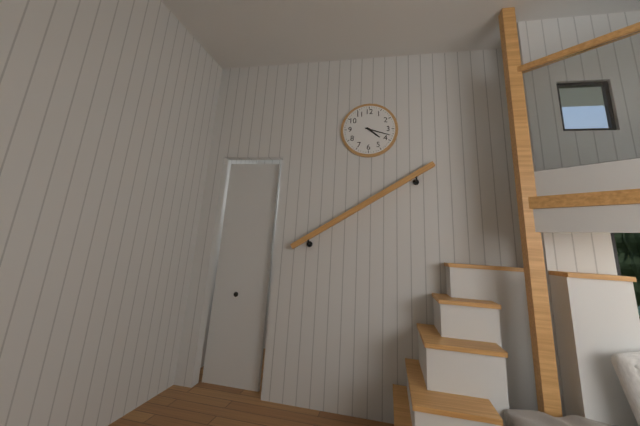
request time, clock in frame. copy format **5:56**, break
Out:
**4:18**
